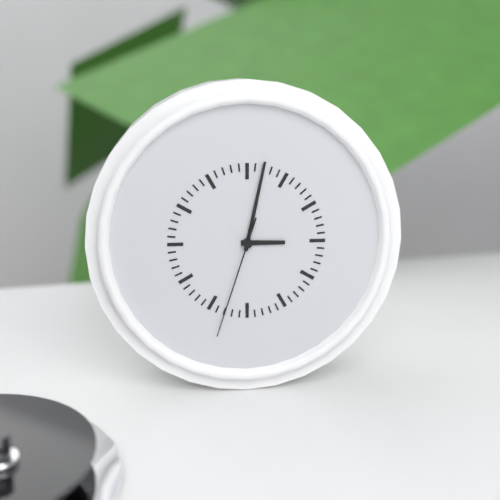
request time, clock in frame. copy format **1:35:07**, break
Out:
**3:02:33**
